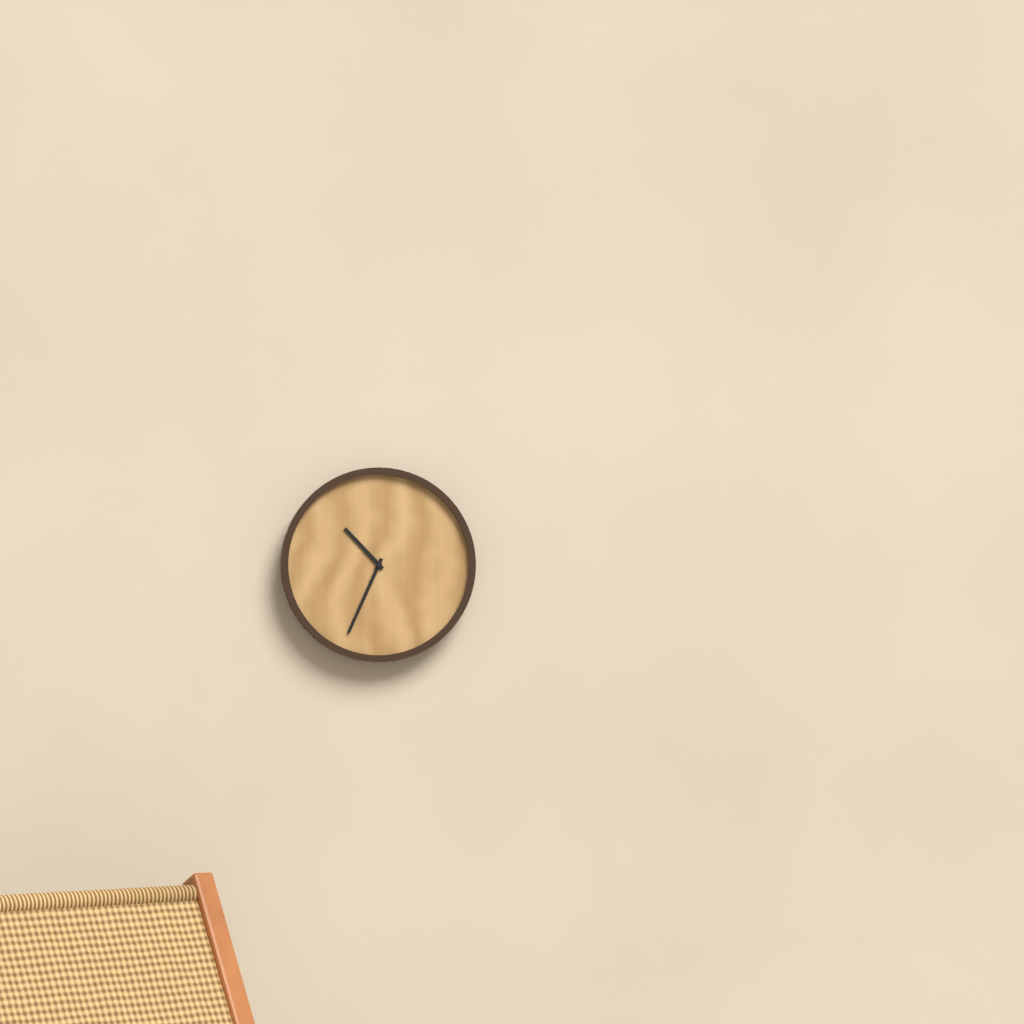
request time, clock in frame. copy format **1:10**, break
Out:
**10:34**
